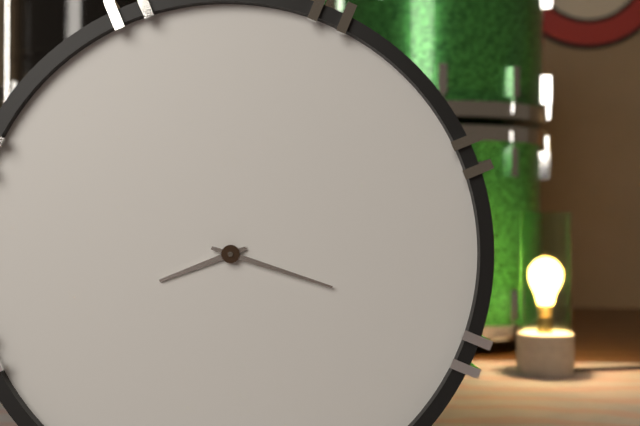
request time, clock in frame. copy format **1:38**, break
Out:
**8:18**
